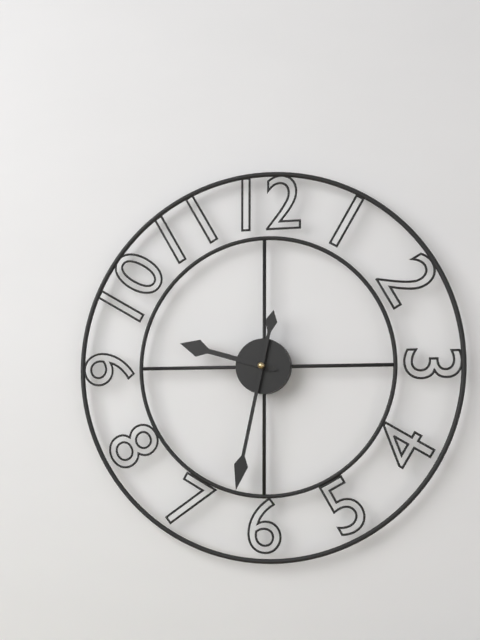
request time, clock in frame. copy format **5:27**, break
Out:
**9:32**
